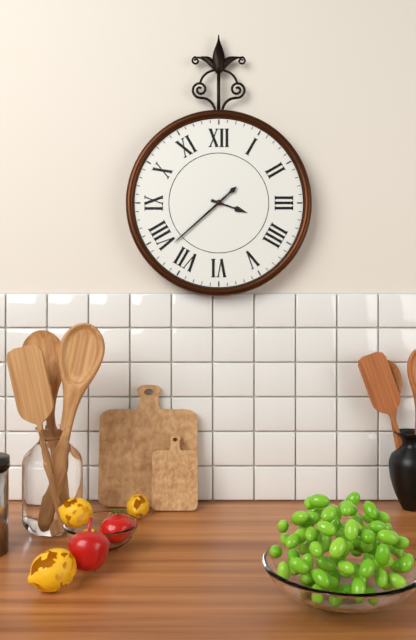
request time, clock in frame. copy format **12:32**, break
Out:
**3:38**
